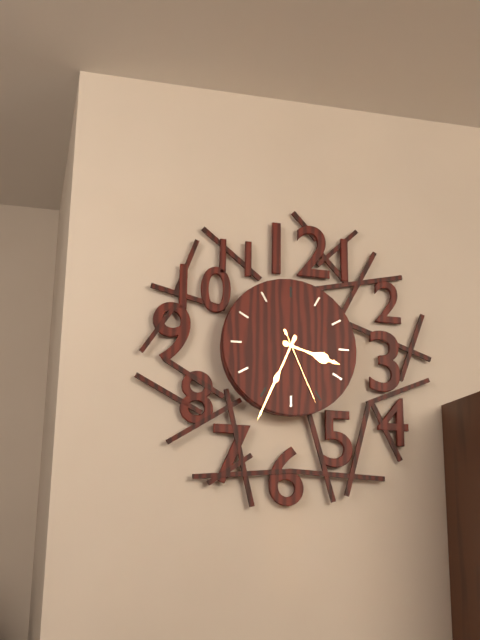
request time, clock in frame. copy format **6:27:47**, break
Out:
**3:34:26**
